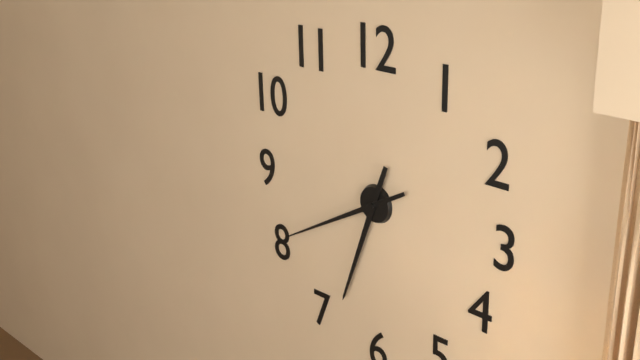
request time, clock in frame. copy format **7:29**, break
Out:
**6:40**
